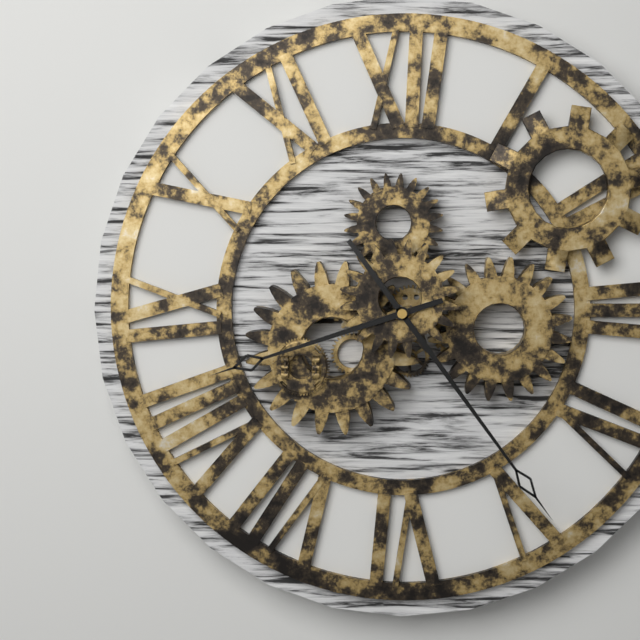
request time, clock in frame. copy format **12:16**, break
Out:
**8:24**
